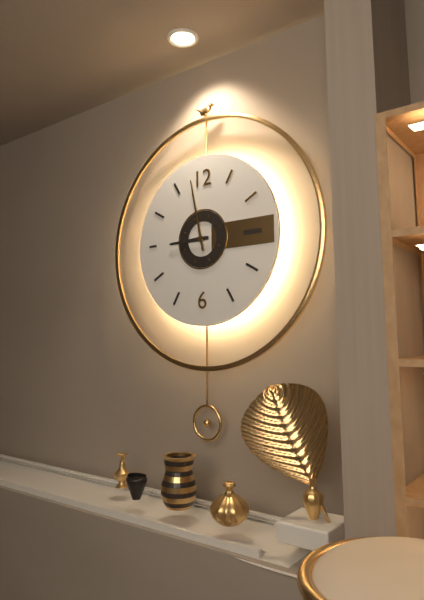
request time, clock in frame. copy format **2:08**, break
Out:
**8:58**
